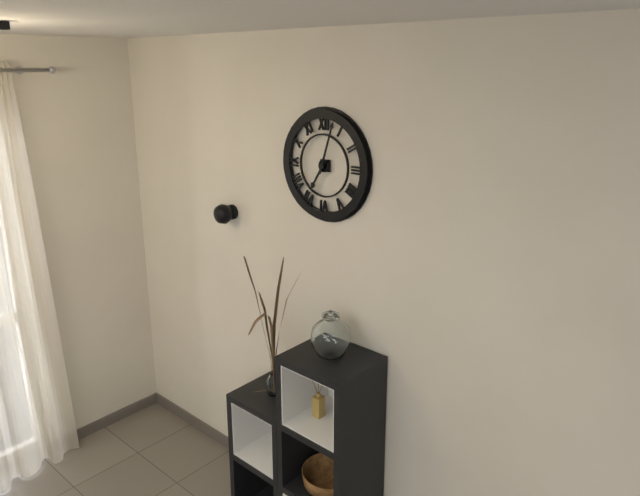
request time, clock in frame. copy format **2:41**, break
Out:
**7:03**
